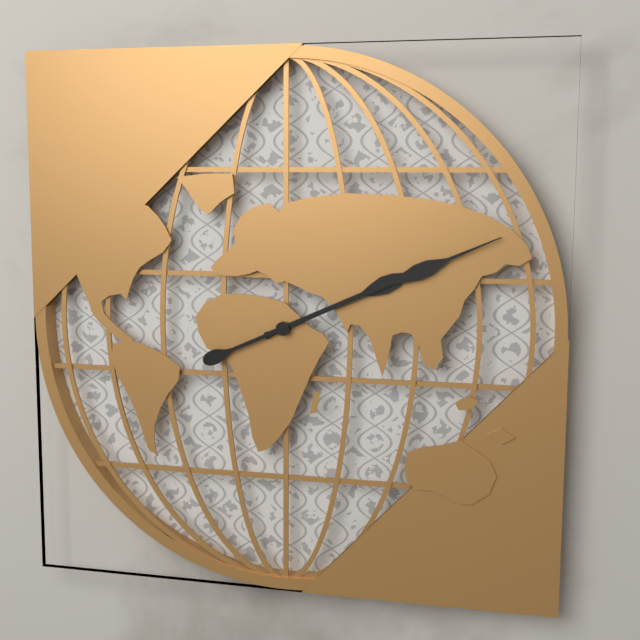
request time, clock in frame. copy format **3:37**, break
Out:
**2:11**
